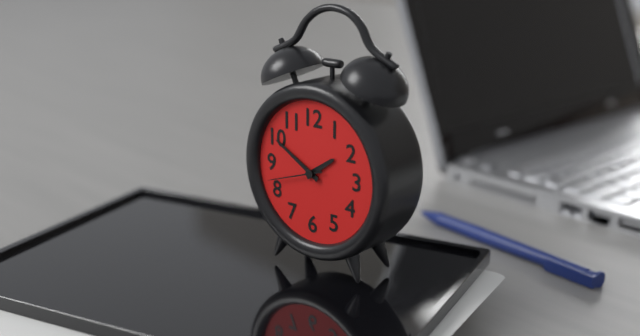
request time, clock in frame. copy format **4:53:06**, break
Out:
**1:50:42**
